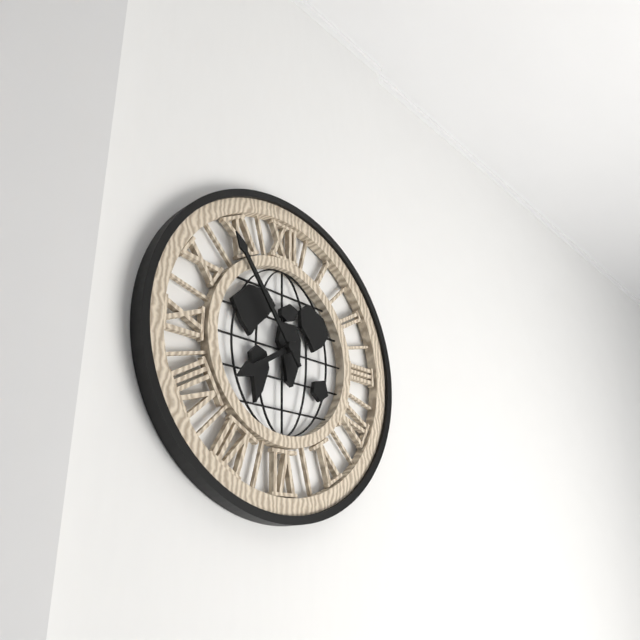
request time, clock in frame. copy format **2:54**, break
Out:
**7:54**
